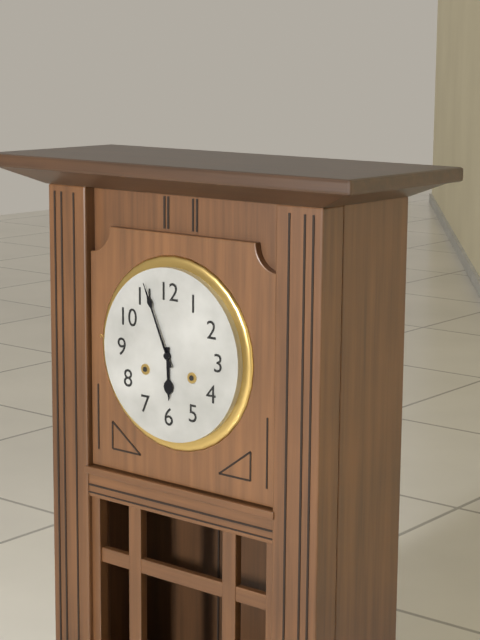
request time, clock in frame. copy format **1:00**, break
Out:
**5:56**
